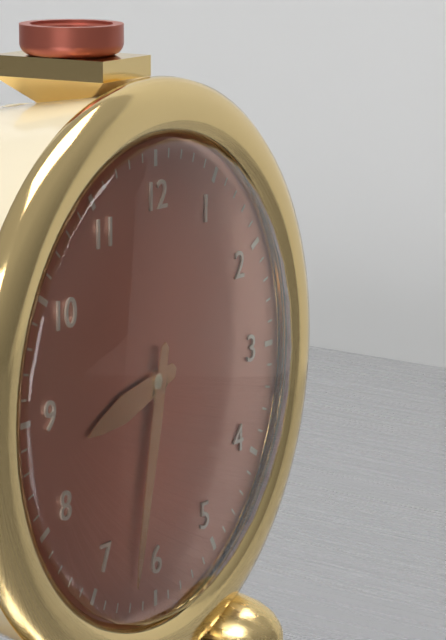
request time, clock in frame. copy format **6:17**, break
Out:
**8:32**
